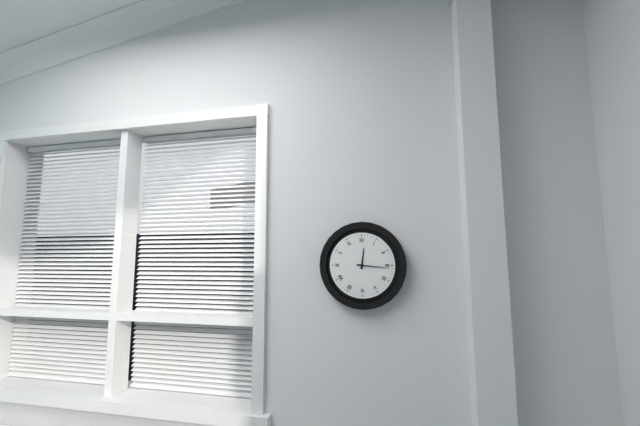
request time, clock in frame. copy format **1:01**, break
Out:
**12:16**
